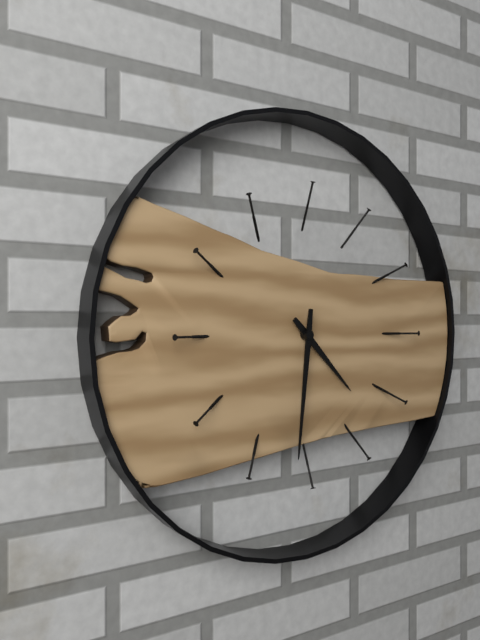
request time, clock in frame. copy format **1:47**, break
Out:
**4:31**
